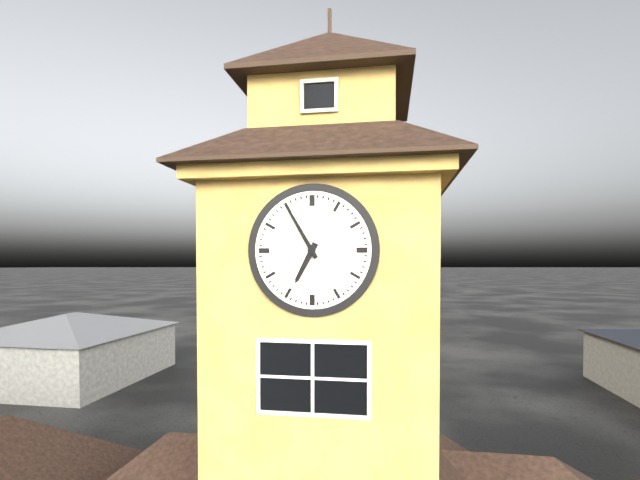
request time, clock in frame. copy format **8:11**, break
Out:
**6:55**
